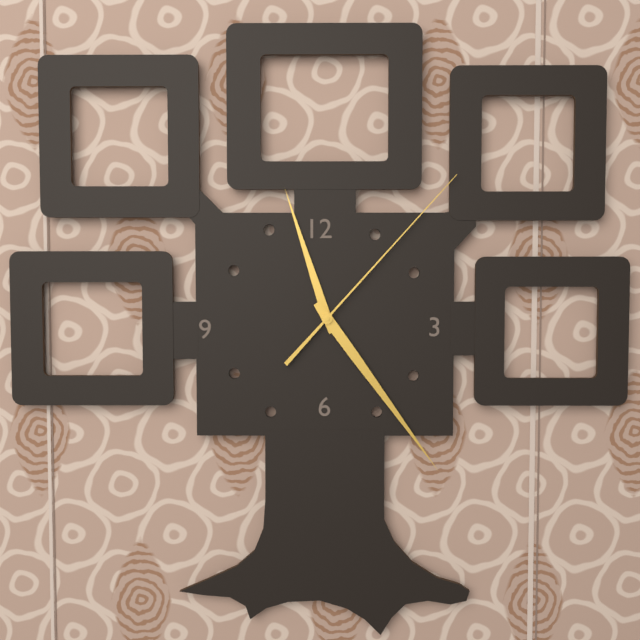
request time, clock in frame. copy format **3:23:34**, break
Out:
**11:24:07**
